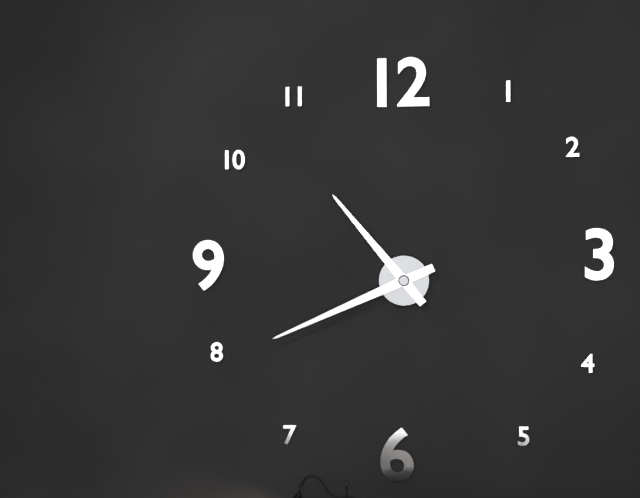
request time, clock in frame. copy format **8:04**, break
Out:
**10:41**
